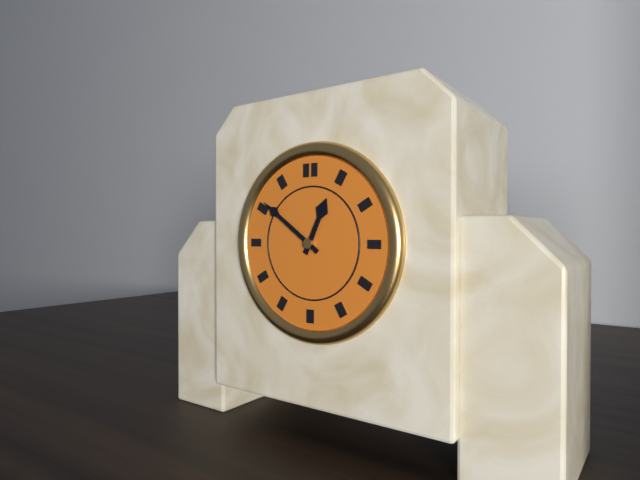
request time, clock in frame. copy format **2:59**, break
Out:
**12:51**
